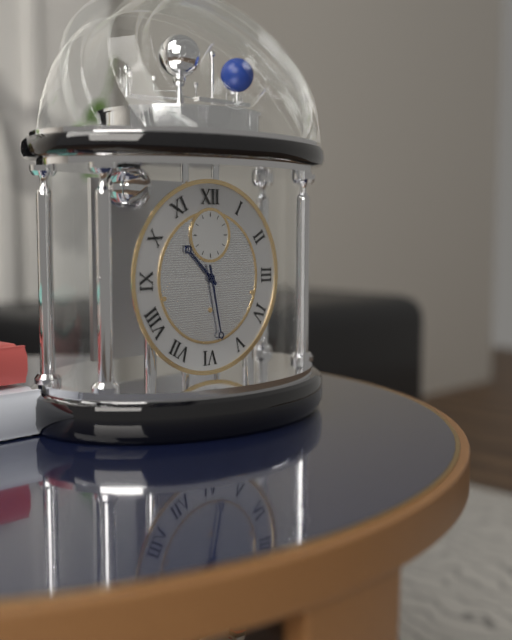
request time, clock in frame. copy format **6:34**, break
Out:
**10:28**
